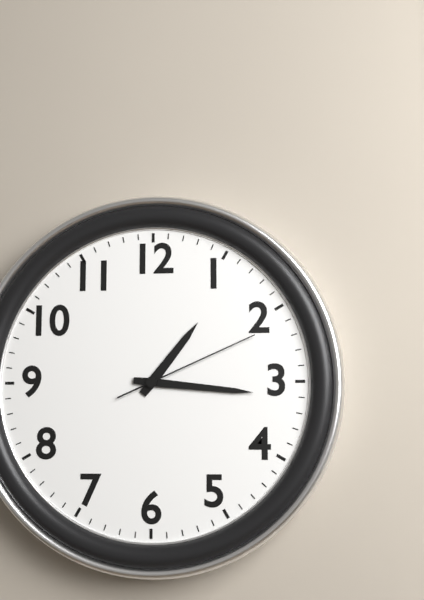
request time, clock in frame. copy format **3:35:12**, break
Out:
**1:16:11**
